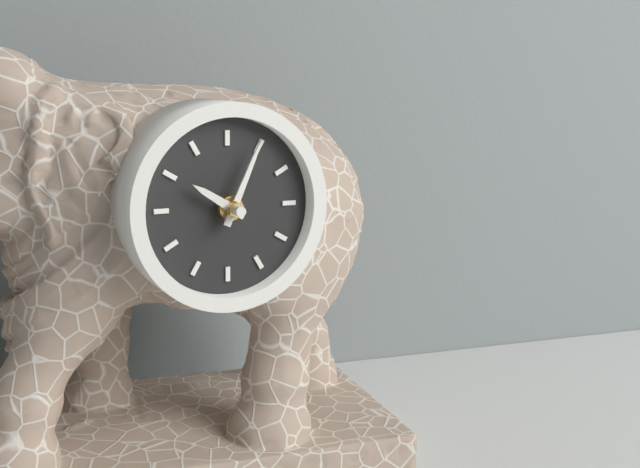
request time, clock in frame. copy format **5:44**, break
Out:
**10:04**
